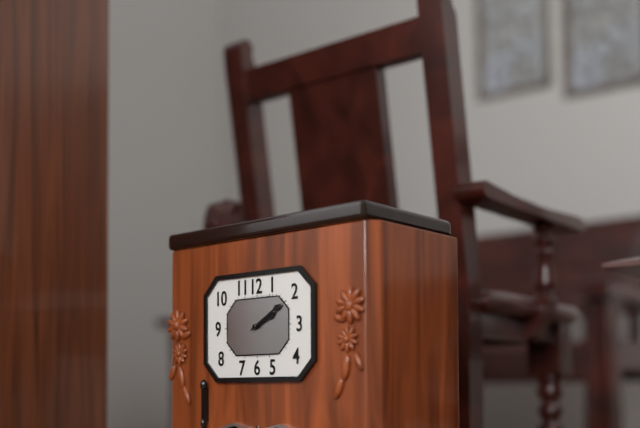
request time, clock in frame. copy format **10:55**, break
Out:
**2:10**
